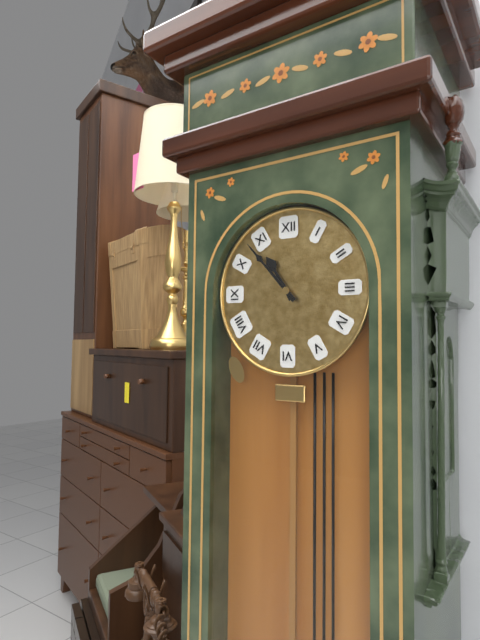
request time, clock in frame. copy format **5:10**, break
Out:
**10:53**
